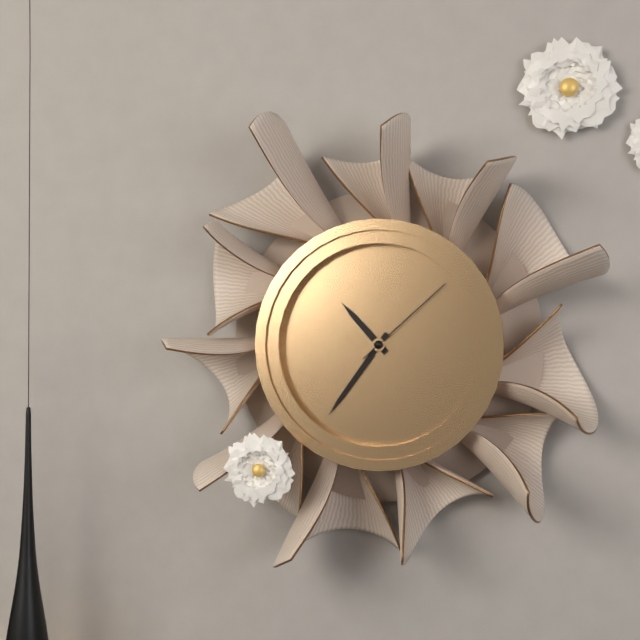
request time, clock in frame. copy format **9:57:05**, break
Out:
**10:36:08**
